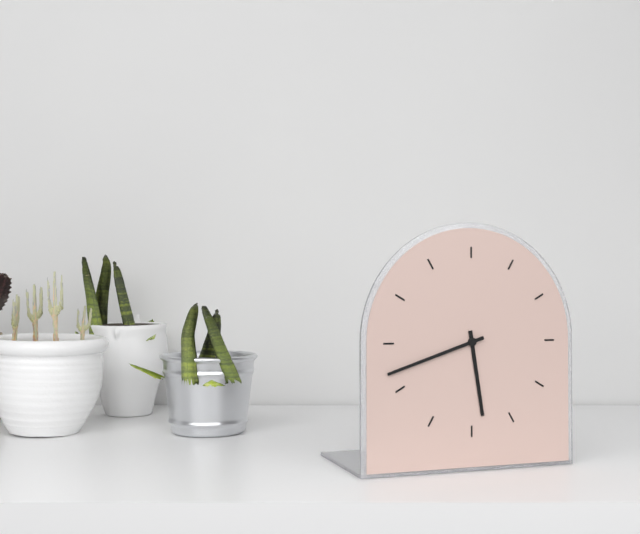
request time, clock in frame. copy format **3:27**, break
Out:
**5:42**
